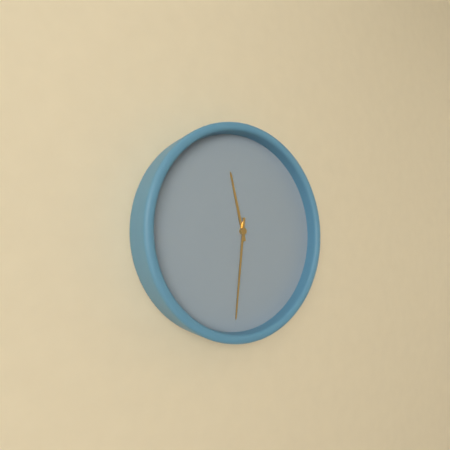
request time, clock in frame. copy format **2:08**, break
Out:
**11:31**
